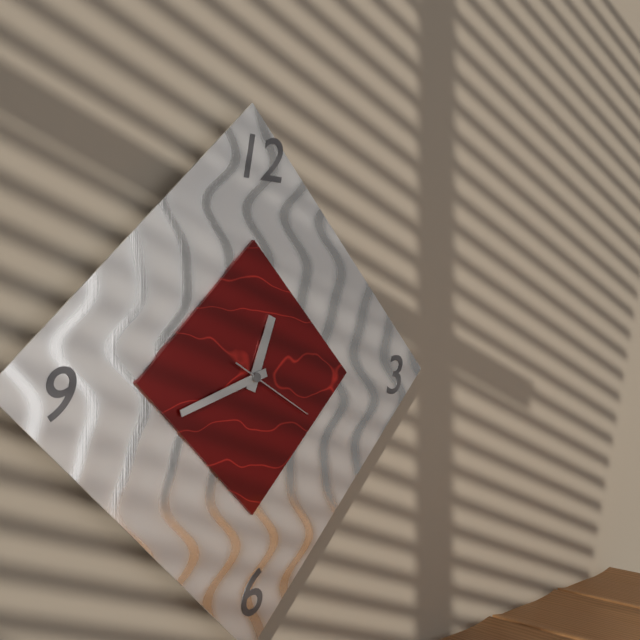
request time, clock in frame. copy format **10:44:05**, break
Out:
**12:42:20**
